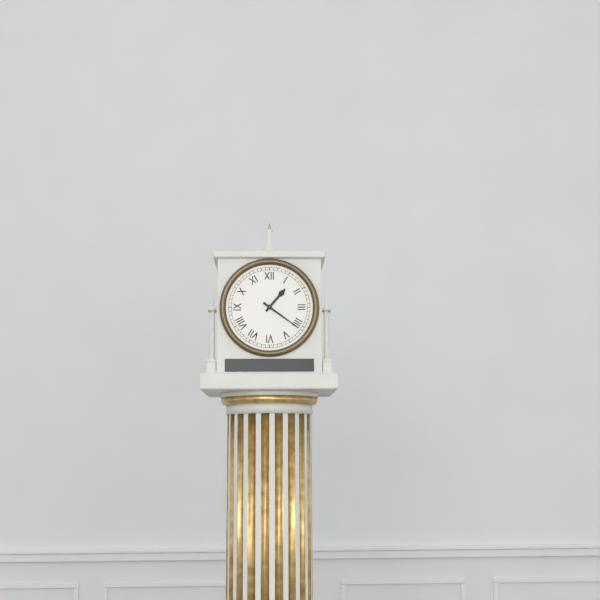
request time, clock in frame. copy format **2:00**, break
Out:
**1:21**
